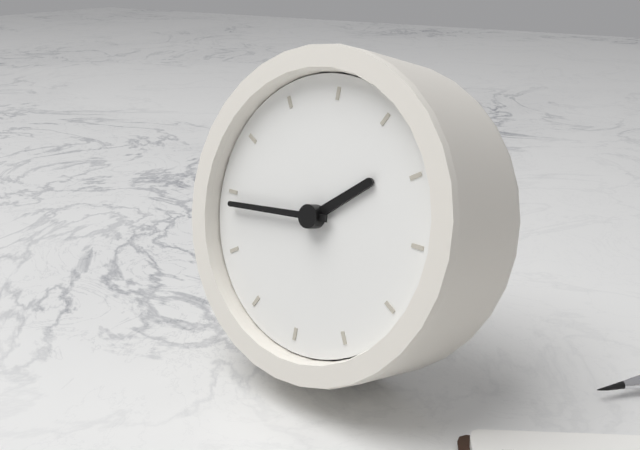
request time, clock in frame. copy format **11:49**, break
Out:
**1:44**
